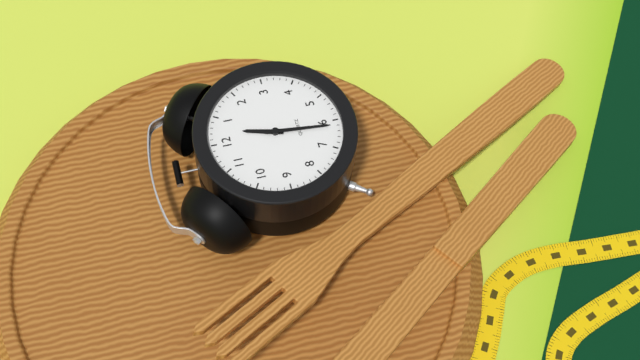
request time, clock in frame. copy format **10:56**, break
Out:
**12:31**
